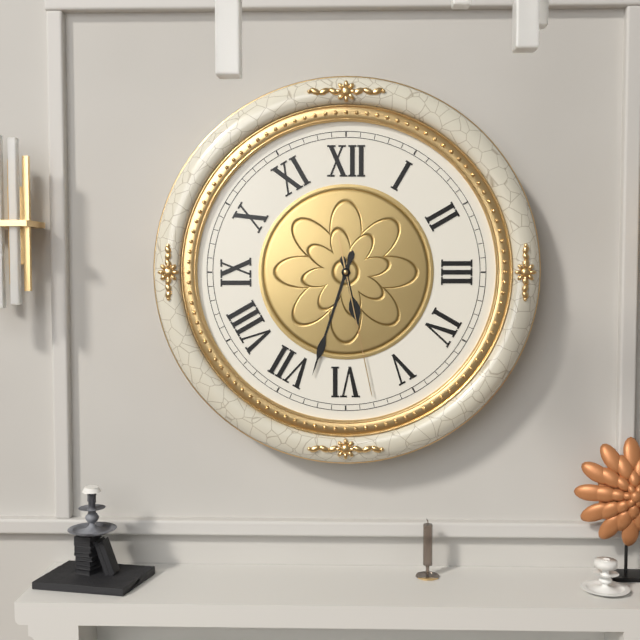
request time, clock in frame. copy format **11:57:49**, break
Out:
**5:33:28**
